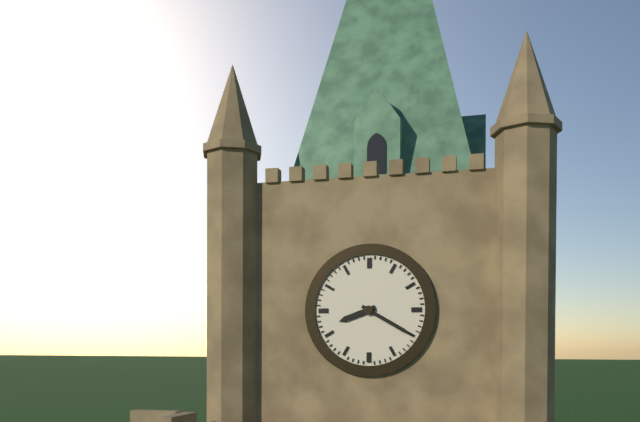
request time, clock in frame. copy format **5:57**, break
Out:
**8:20**
